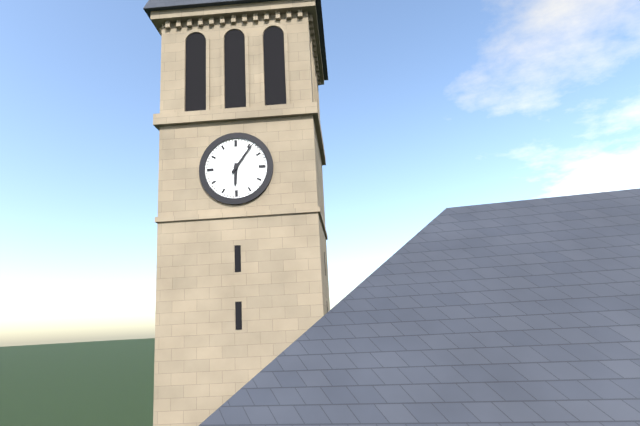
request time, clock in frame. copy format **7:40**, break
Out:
**6:06**
